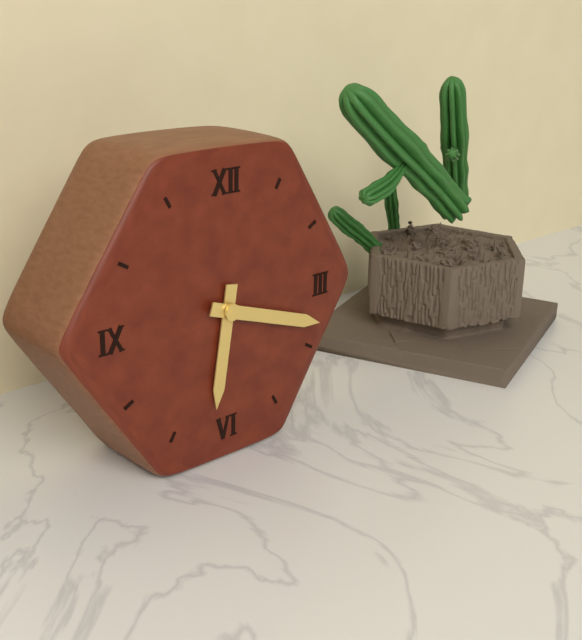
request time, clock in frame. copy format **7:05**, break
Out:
**6:18**
